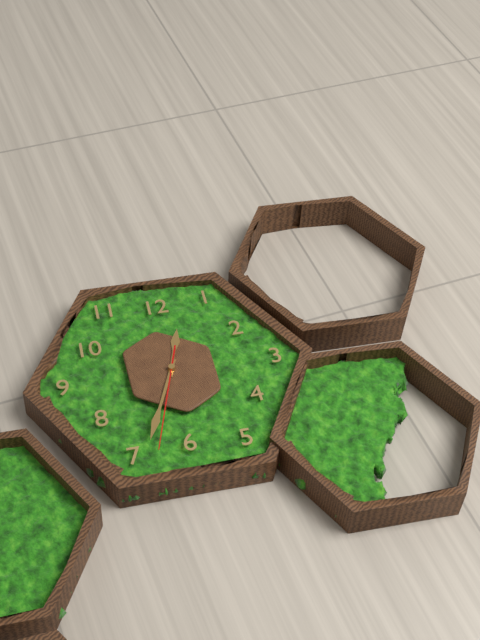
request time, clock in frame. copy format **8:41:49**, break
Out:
**12:34:33**
